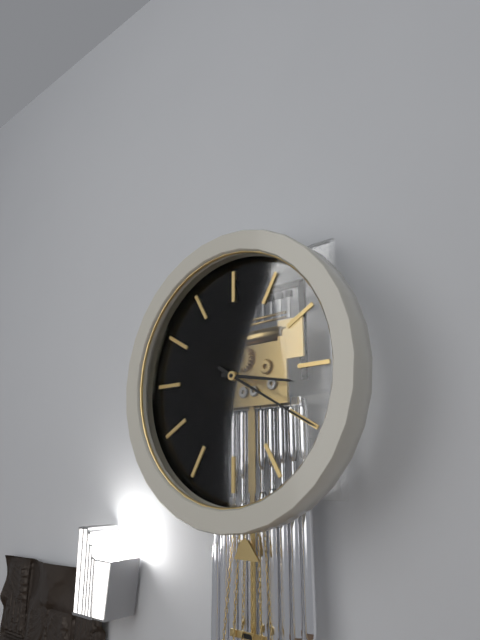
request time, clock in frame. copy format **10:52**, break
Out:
**3:20**
